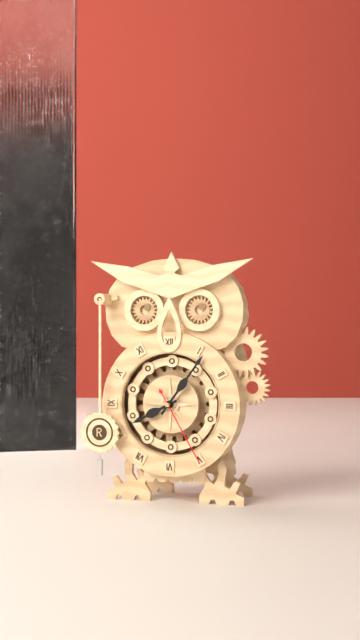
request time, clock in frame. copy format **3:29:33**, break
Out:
**8:06:25**
